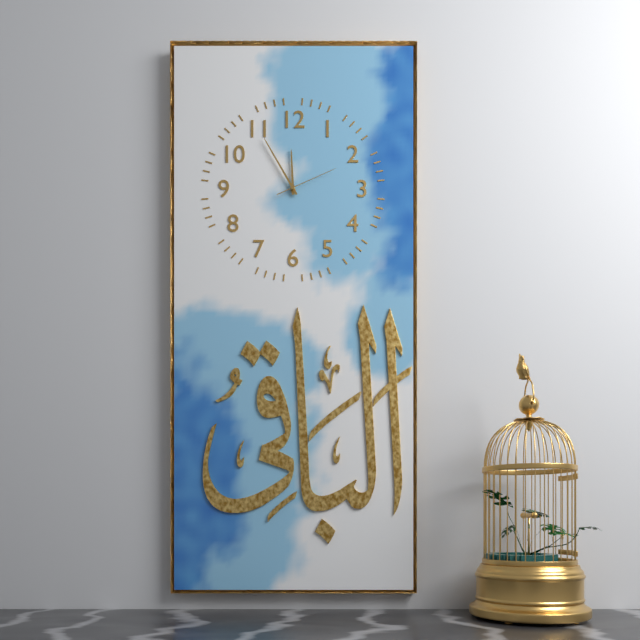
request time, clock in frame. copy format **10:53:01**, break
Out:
**11:55:11**
